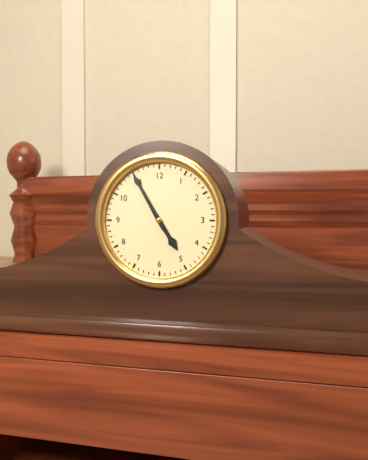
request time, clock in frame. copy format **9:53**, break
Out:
**4:55**
